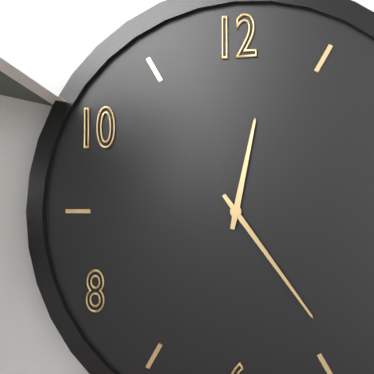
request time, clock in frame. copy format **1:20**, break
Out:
**12:24**
